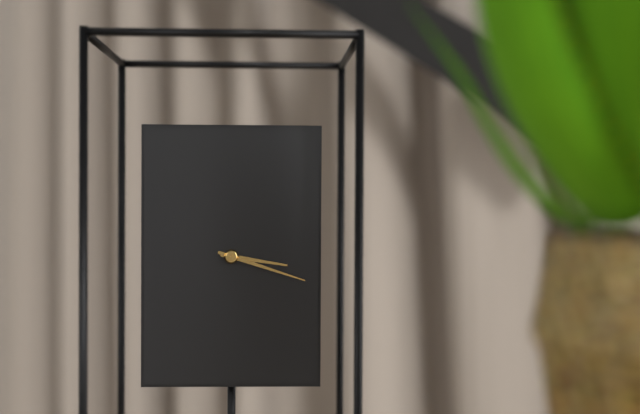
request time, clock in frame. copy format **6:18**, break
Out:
**3:18**
